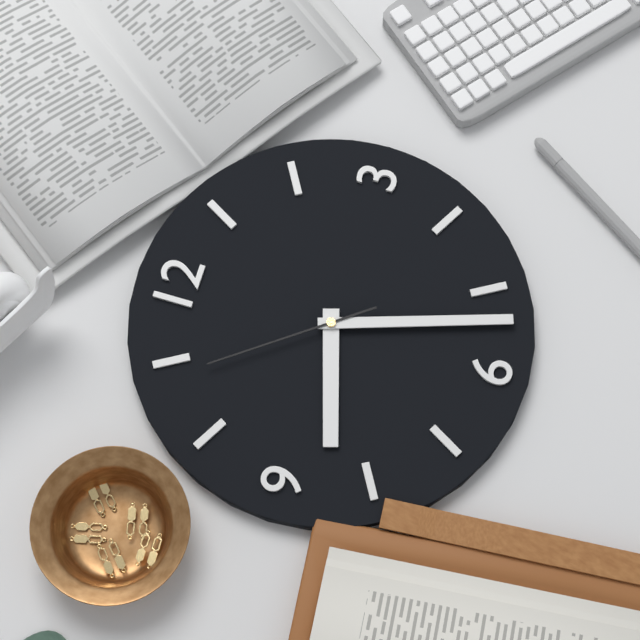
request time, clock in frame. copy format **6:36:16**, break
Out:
**8:27:54**
